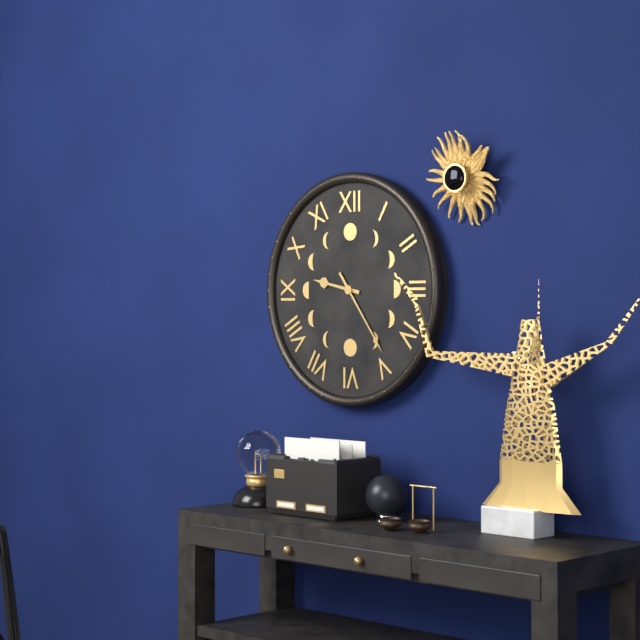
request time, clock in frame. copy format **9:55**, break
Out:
**9:24**
